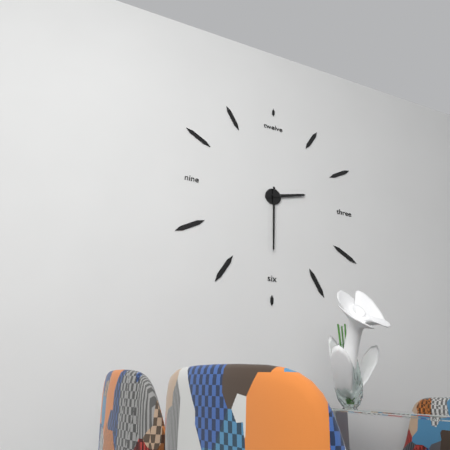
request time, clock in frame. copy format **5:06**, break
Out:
**2:30**
